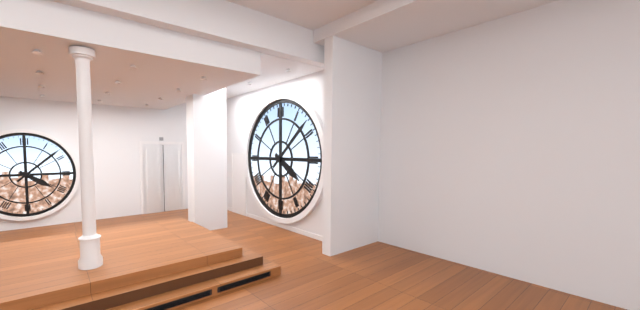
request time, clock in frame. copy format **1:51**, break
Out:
**4:08**
